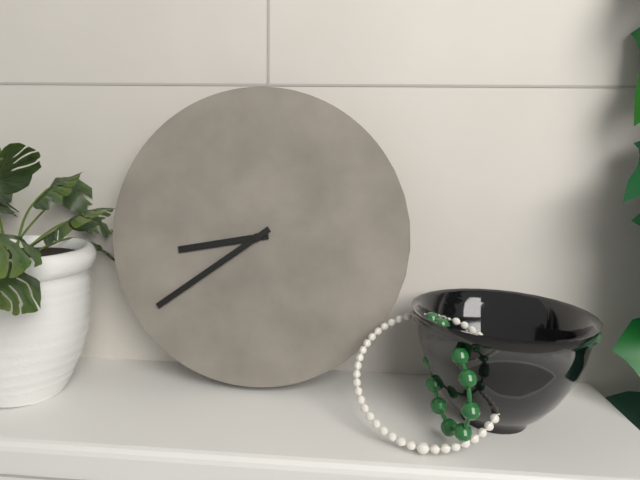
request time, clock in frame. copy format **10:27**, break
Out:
**8:39**
